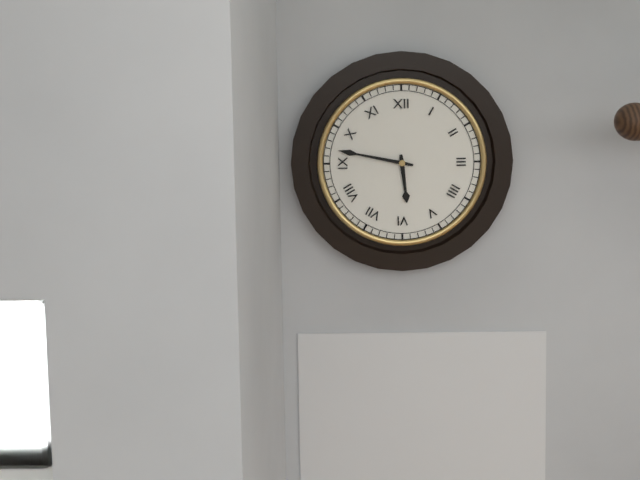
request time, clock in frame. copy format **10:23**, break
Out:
**5:47**
